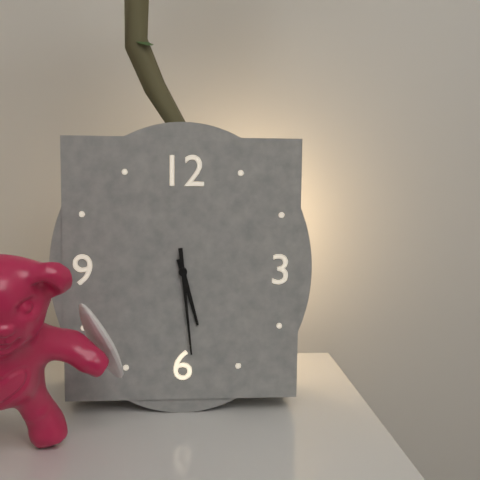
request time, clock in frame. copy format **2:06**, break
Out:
**5:29**
